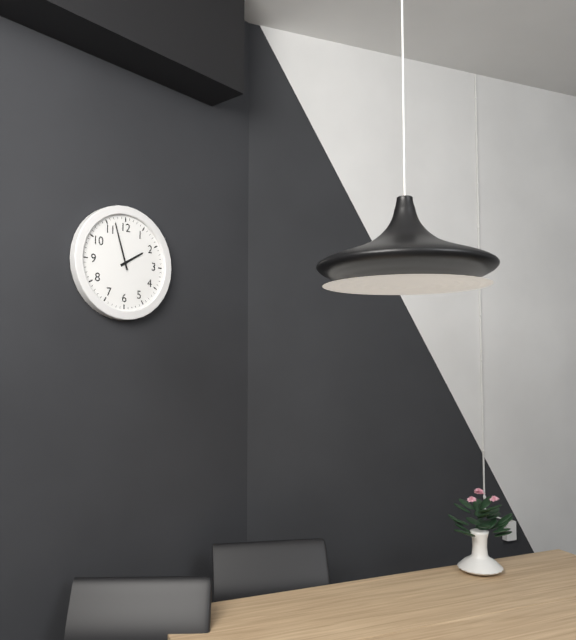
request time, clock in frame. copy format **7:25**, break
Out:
**1:57**
